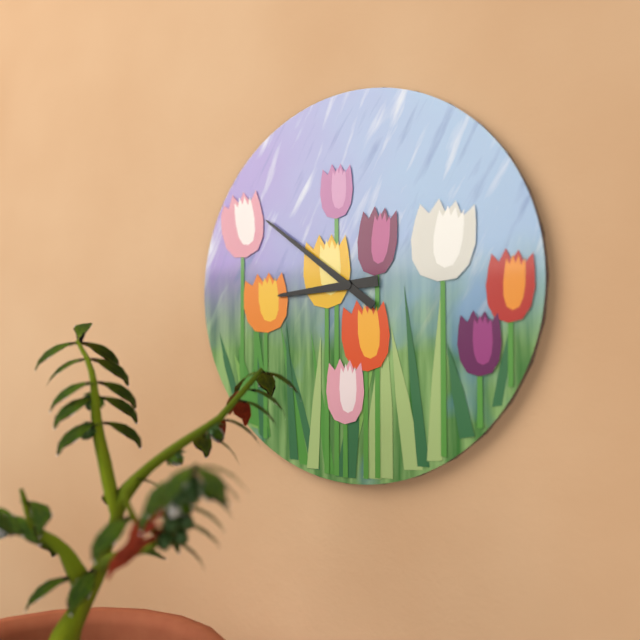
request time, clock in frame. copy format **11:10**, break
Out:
**8:51**
